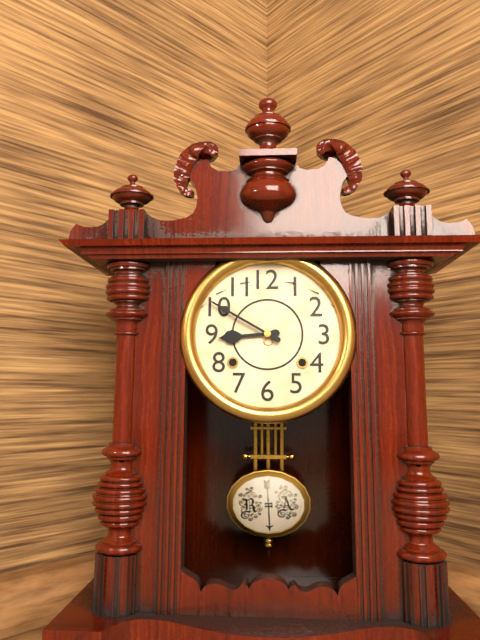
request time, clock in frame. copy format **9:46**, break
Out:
**8:50**
